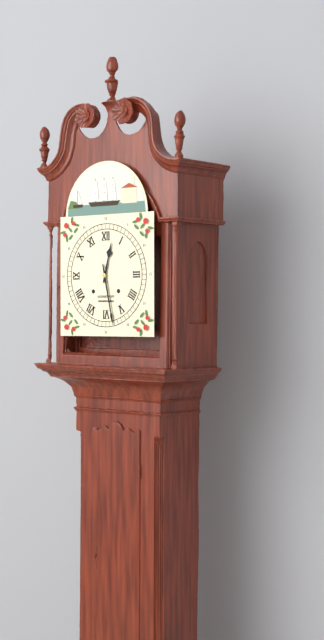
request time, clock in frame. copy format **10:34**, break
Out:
**12:28**
